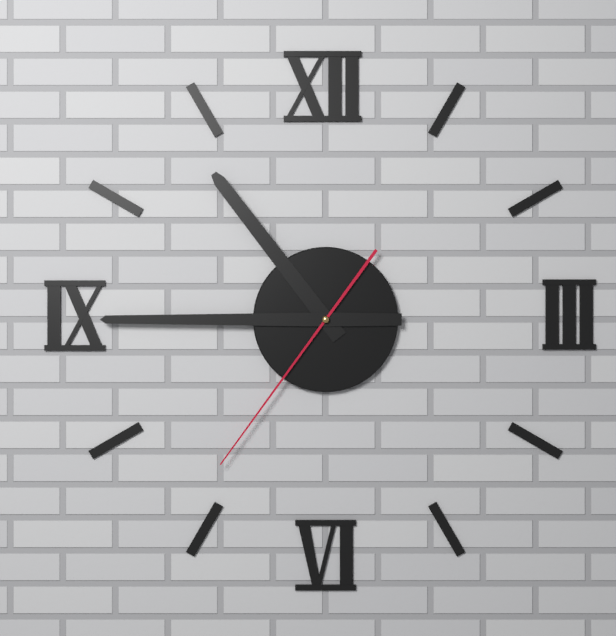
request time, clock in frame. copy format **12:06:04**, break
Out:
**10:45:36**
